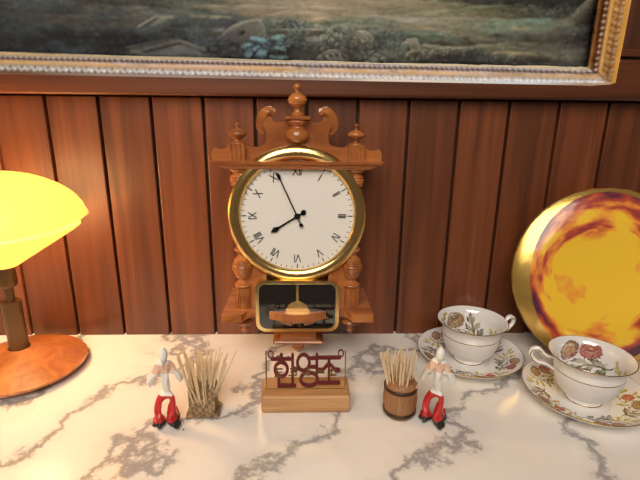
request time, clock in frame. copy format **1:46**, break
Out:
**7:56**
